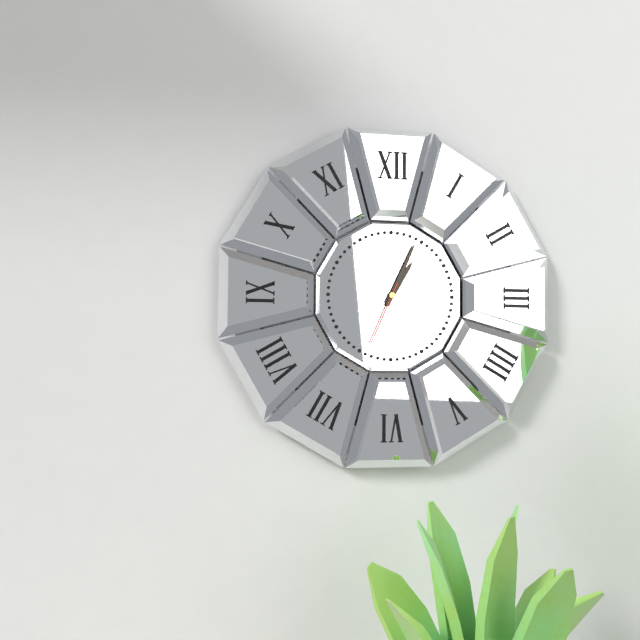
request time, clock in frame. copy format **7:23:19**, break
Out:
**1:04:34**
